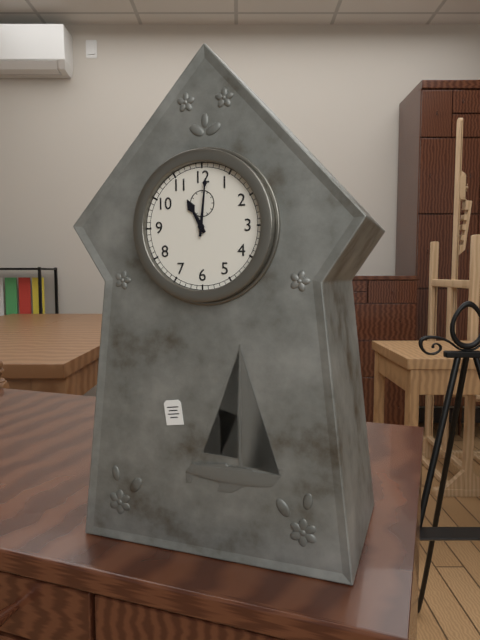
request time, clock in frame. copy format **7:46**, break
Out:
**11:01**
